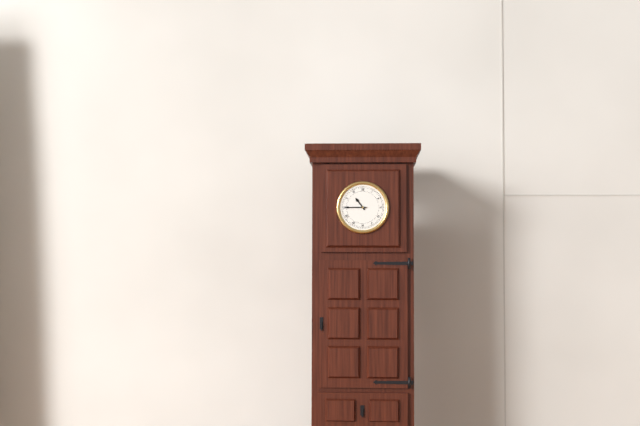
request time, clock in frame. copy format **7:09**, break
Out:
**10:45**
